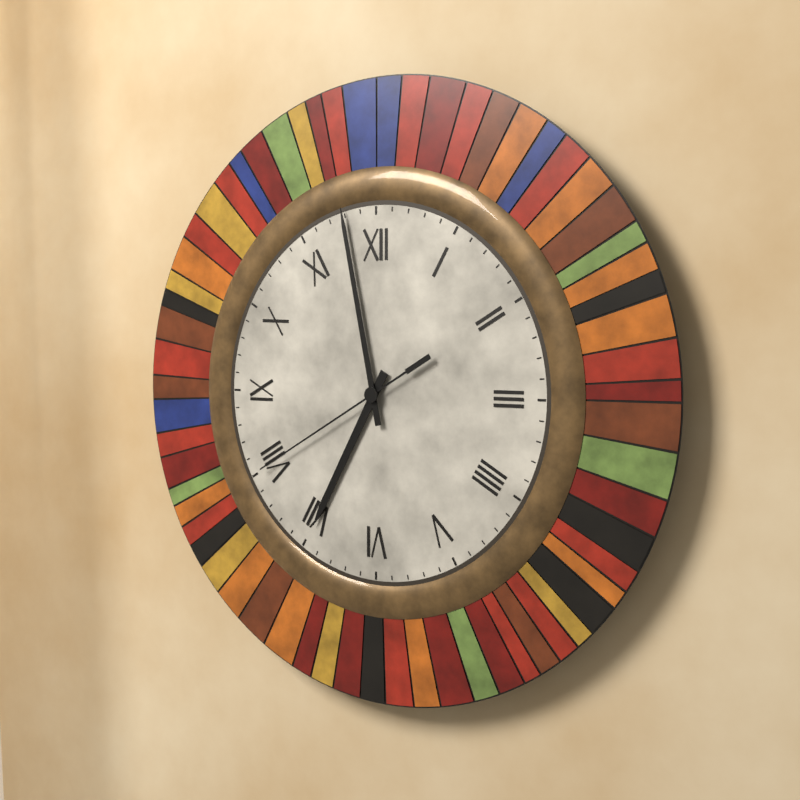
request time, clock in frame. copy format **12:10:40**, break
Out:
**6:58:40**
